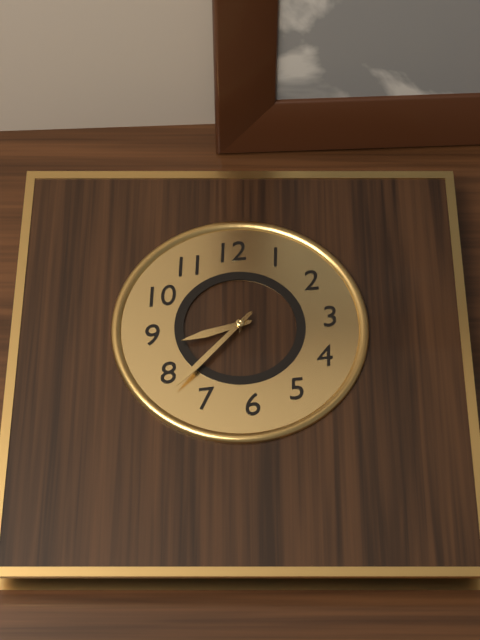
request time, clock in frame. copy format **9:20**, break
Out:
**8:38**
